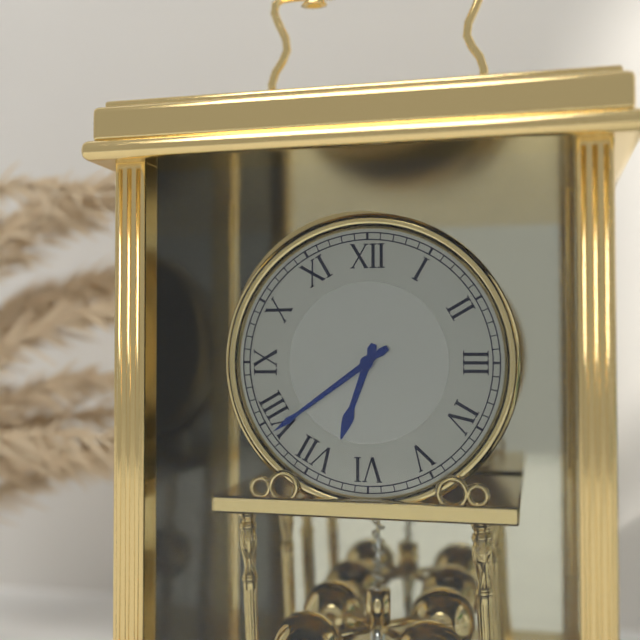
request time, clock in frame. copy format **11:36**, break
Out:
**6:39**
